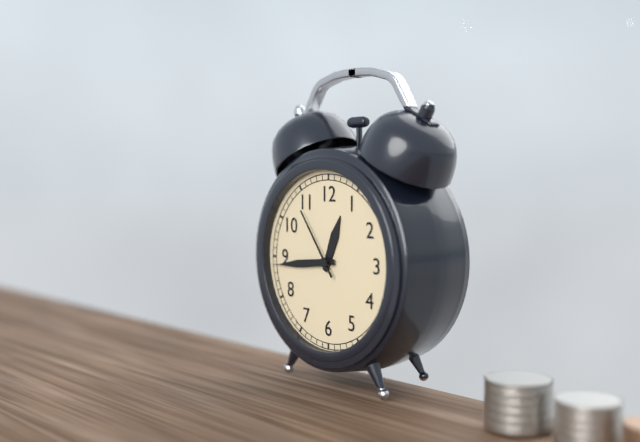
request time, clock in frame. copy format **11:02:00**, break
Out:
**12:44:54**
